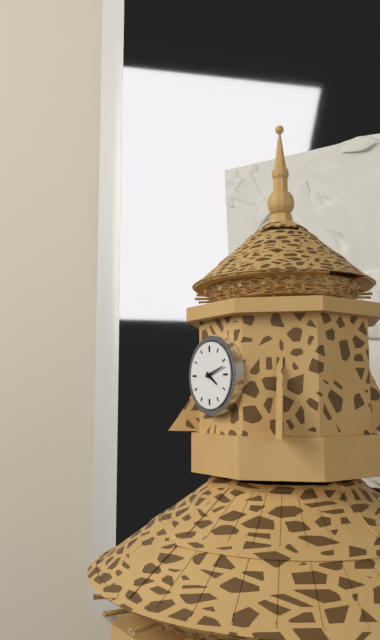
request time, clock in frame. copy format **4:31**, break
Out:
**4:12**
